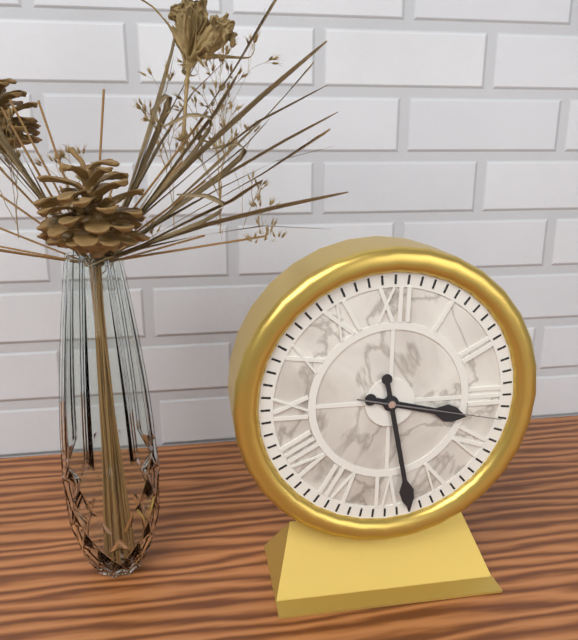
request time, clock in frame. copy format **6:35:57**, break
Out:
**3:28:17**
